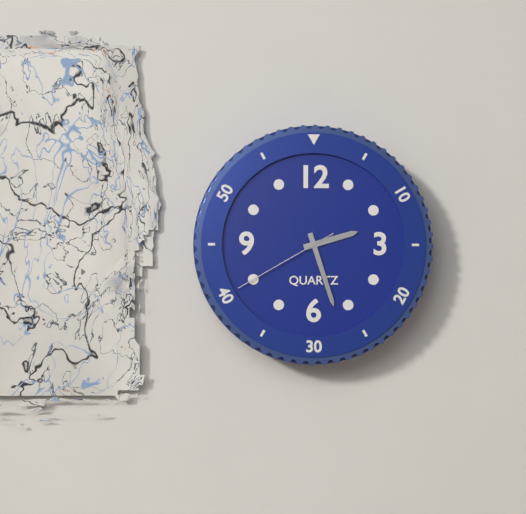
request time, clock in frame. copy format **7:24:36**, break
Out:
**2:27:40**
